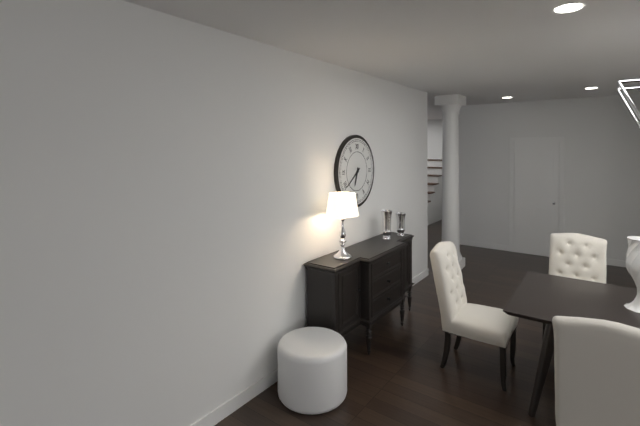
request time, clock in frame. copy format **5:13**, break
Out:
**6:39**
